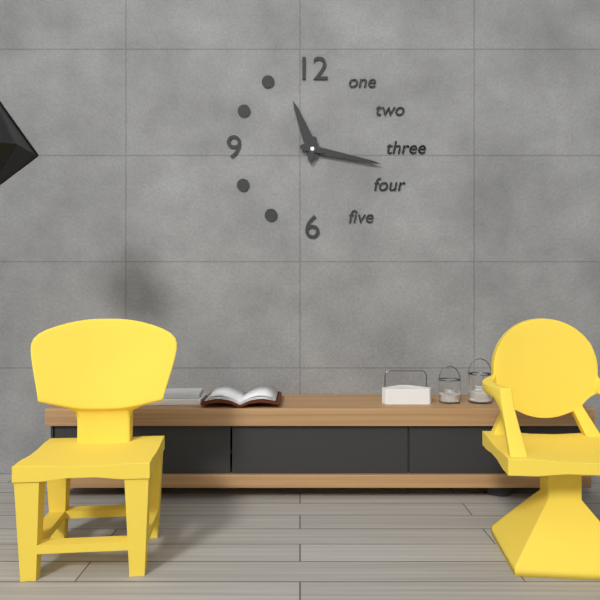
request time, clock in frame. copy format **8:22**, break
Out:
**11:17**
